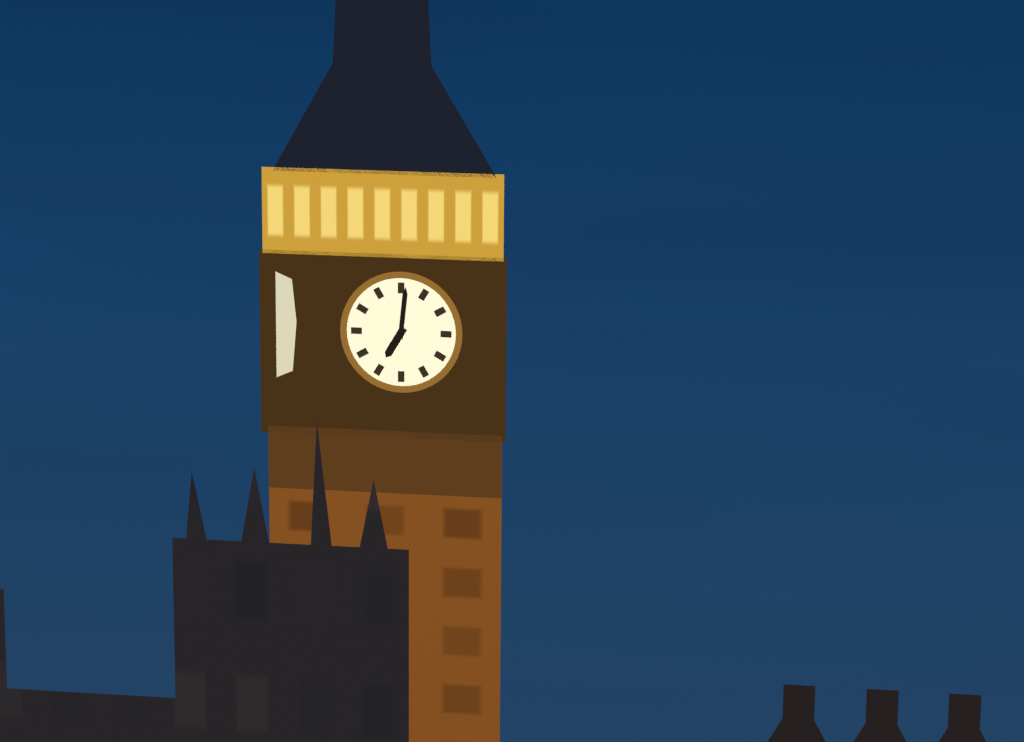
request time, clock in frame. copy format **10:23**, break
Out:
**7:01**
